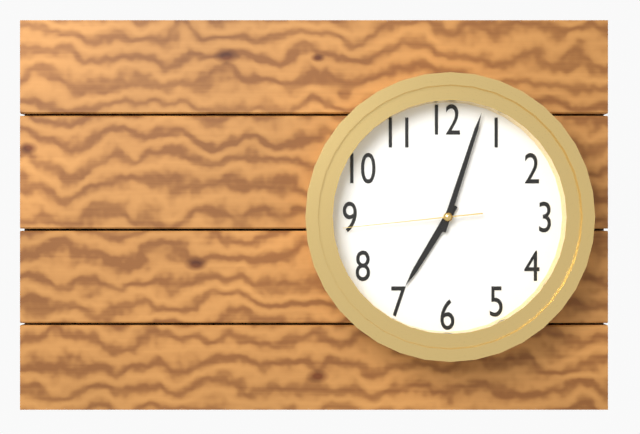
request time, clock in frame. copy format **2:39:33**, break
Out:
**7:03:44**
